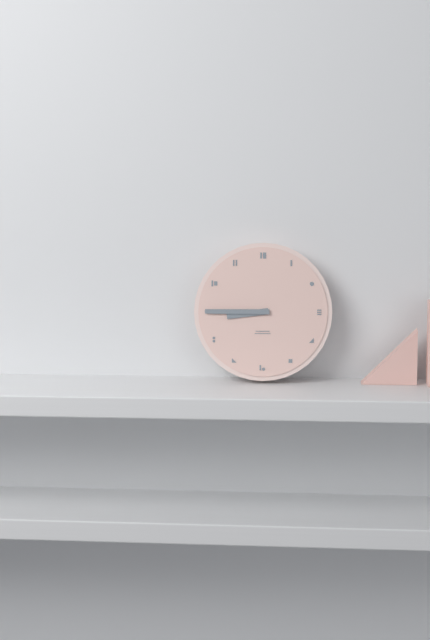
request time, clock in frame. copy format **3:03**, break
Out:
**8:45**
